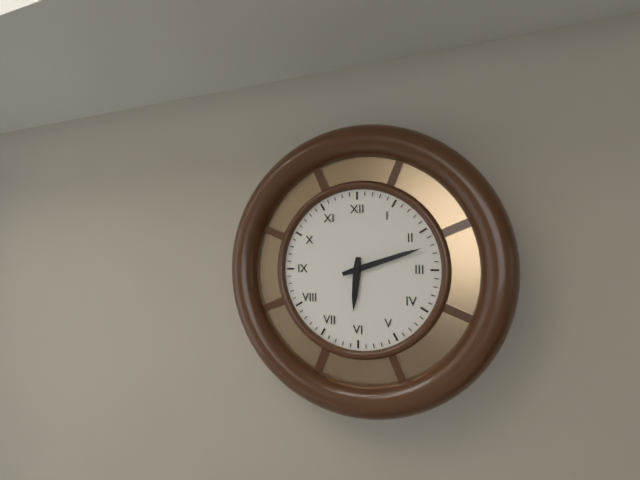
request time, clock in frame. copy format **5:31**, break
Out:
**6:12**
